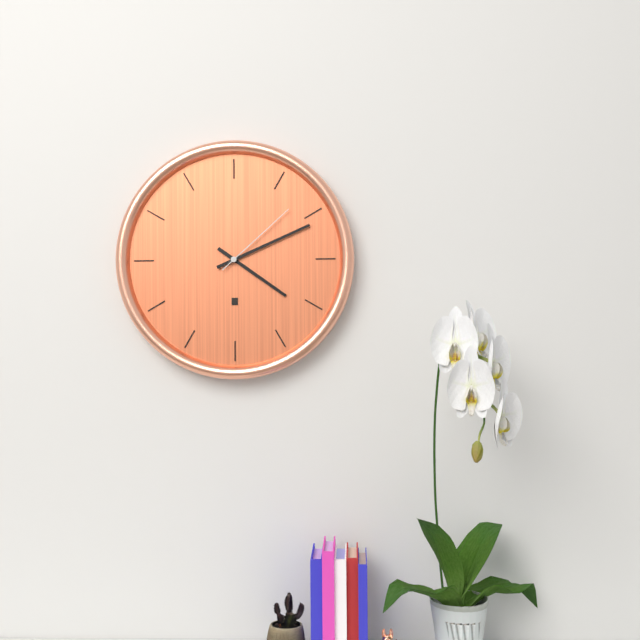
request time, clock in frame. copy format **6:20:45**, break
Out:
**4:11:08**
